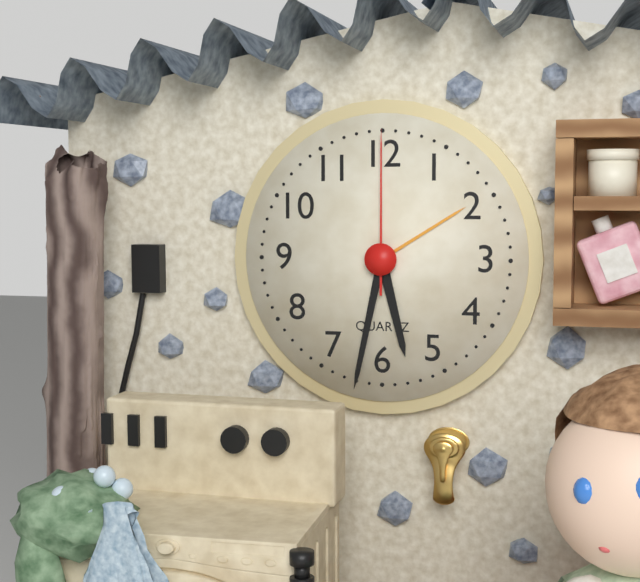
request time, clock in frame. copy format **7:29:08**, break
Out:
**5:32:00**
